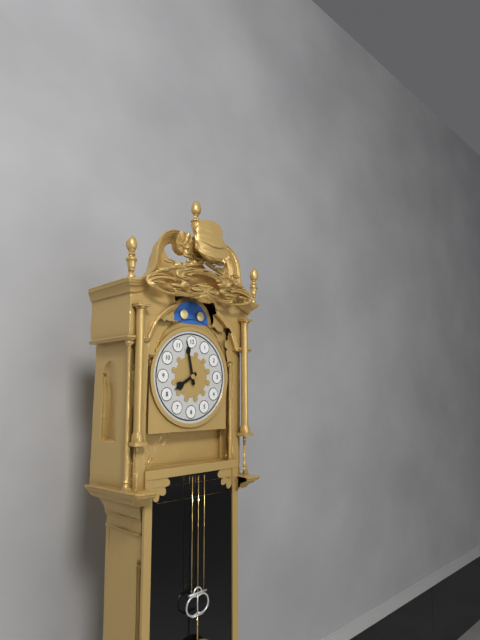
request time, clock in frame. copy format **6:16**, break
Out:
**7:58**
